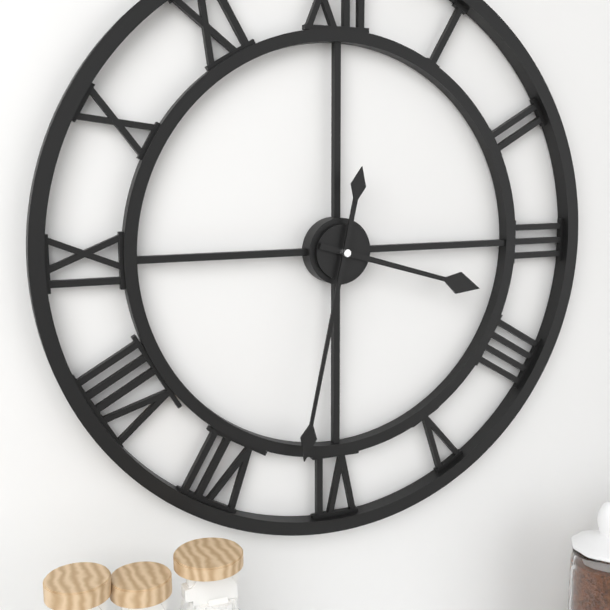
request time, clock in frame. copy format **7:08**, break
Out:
**3:32**
